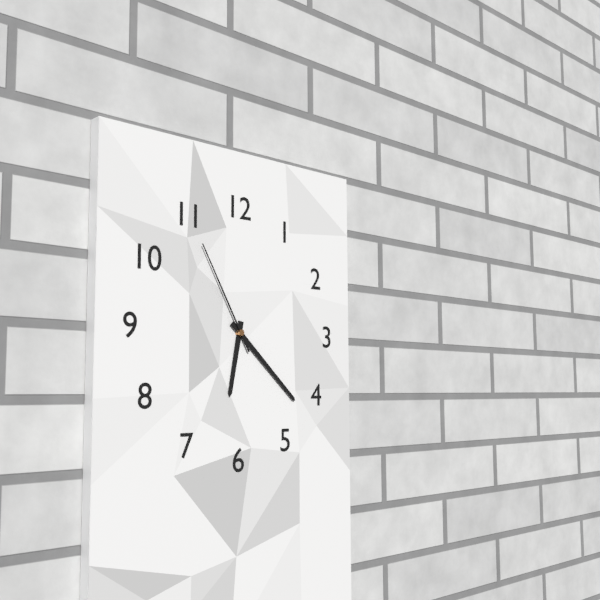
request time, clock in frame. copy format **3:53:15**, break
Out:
**6:22:55**
